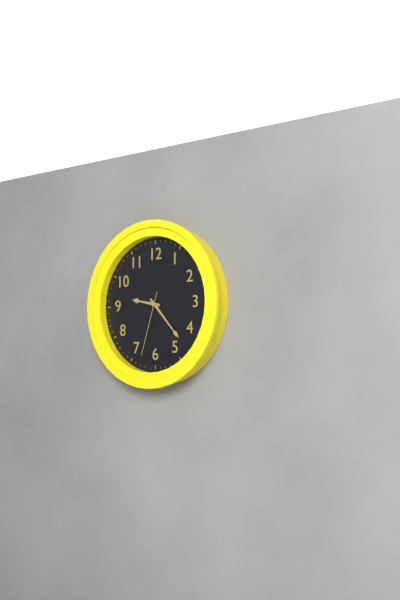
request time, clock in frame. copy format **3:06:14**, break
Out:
**9:23:33**
